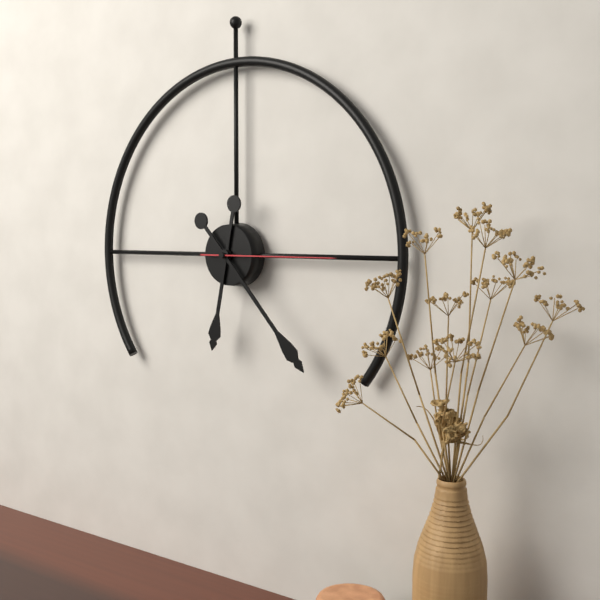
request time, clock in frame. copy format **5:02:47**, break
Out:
**6:23:15**
